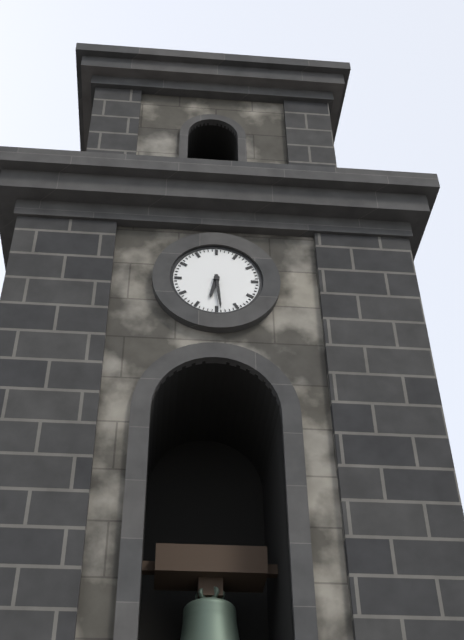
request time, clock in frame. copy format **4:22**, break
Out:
**6:29**
